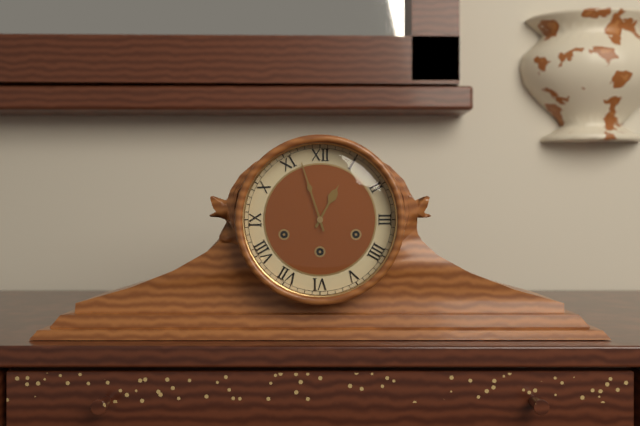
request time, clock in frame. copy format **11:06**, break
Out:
**12:57**
